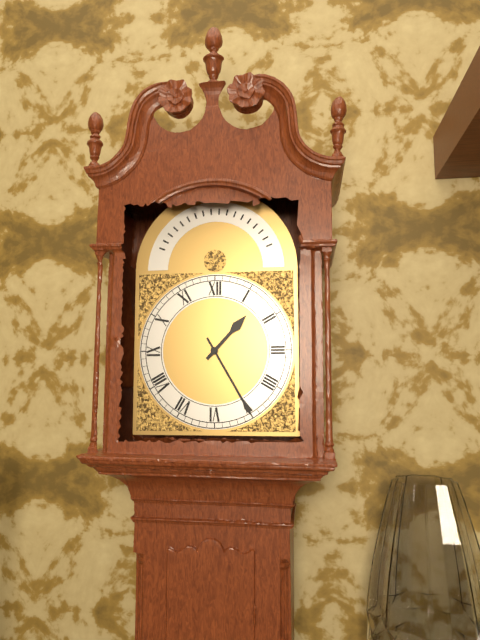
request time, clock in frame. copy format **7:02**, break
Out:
**1:25**
